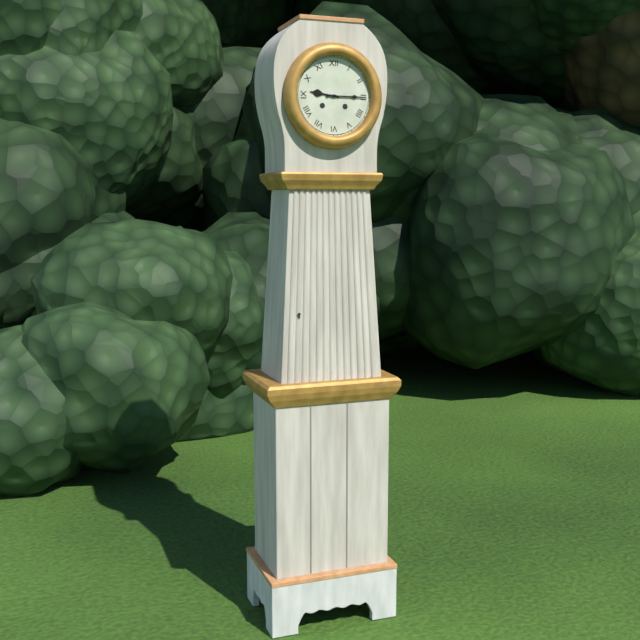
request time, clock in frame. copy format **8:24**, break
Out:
**9:15**
